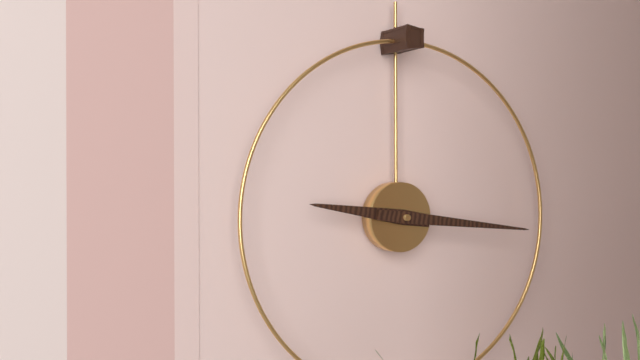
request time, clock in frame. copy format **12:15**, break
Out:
**9:16**
